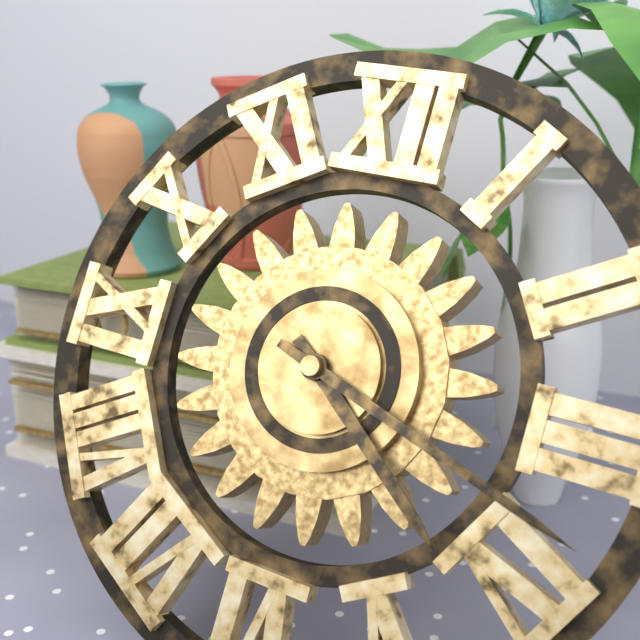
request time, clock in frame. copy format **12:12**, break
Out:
**4:18**
